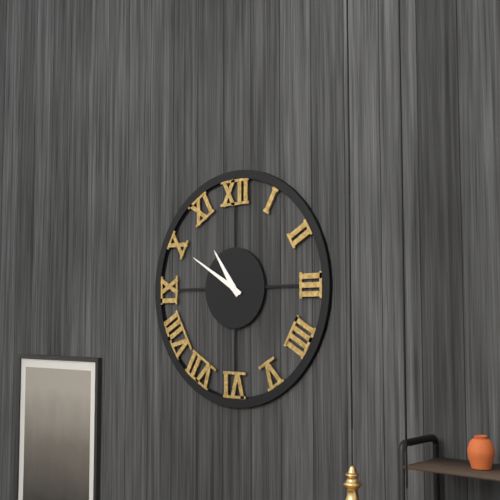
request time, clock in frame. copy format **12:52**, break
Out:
**10:50**
